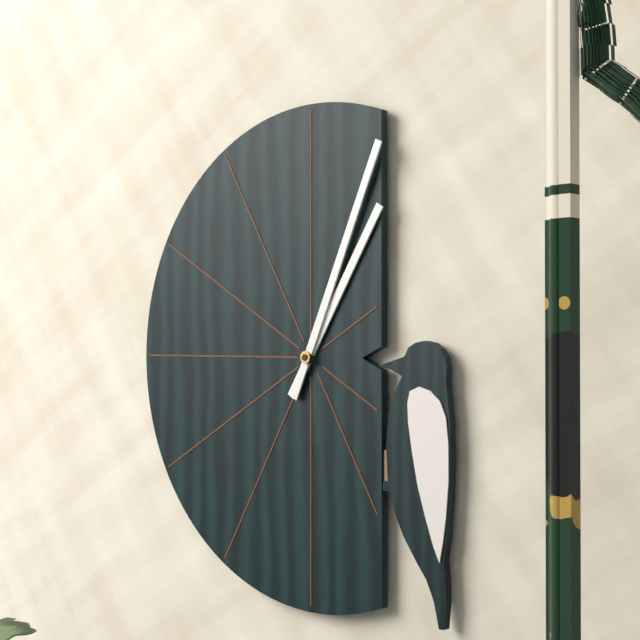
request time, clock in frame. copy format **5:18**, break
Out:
**1:04**
